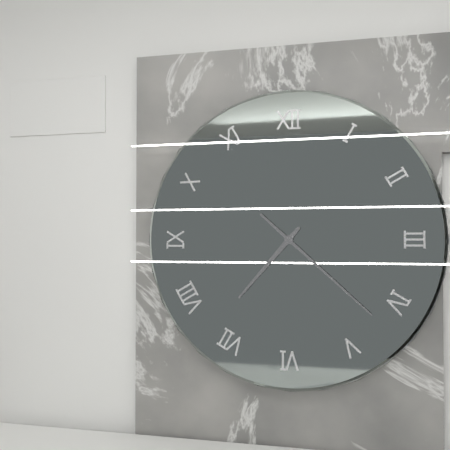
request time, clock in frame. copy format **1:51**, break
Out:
**7:22**
